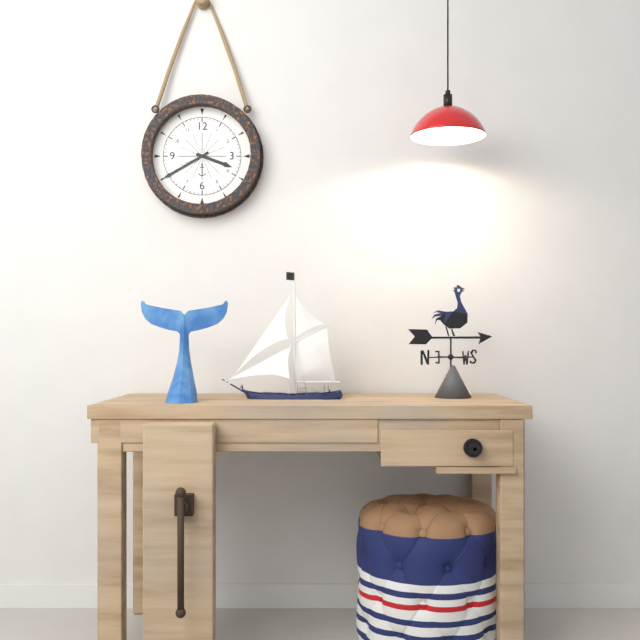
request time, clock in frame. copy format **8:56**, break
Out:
**3:40**
